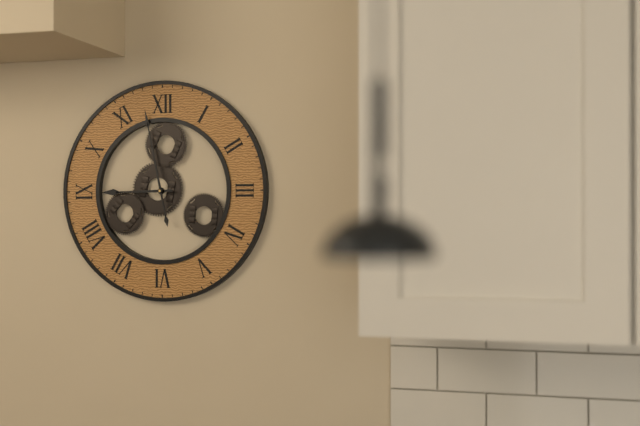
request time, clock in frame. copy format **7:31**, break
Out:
**8:58**
